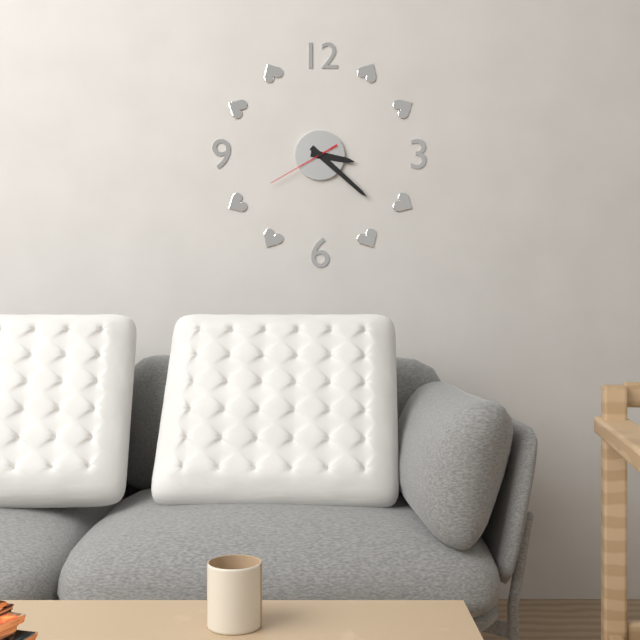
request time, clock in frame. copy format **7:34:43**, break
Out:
**3:22:40**
